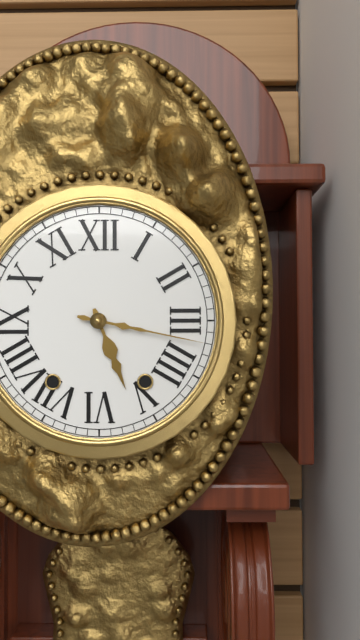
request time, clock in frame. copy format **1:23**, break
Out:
**5:17**
